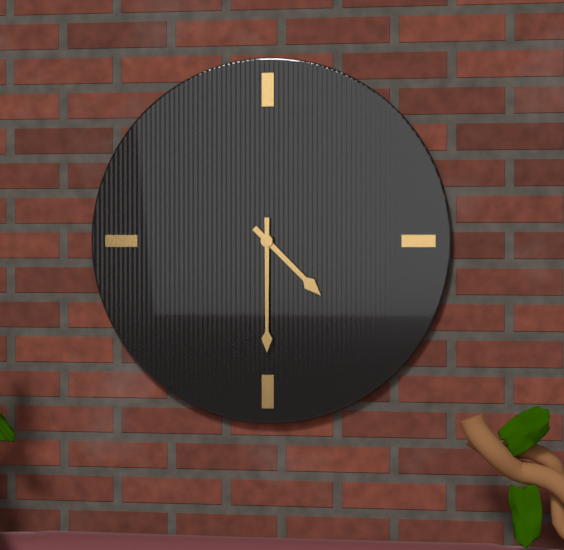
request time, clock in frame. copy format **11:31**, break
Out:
**4:30**
